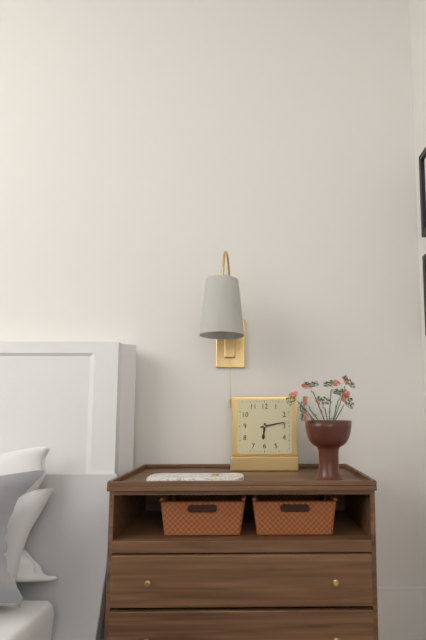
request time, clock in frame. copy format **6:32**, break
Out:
**6:13**
